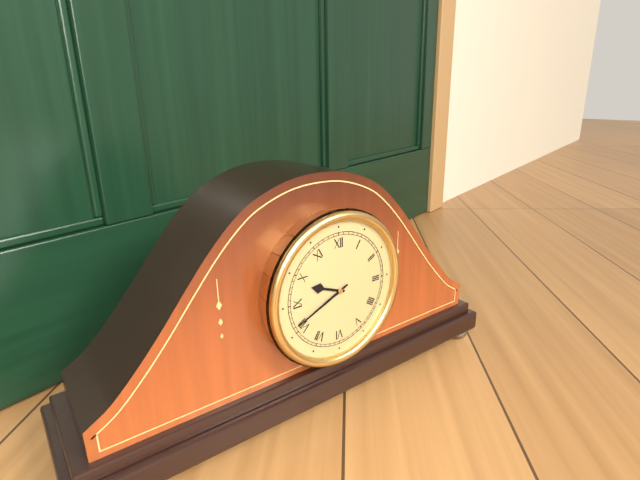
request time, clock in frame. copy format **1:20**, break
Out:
**9:41**
